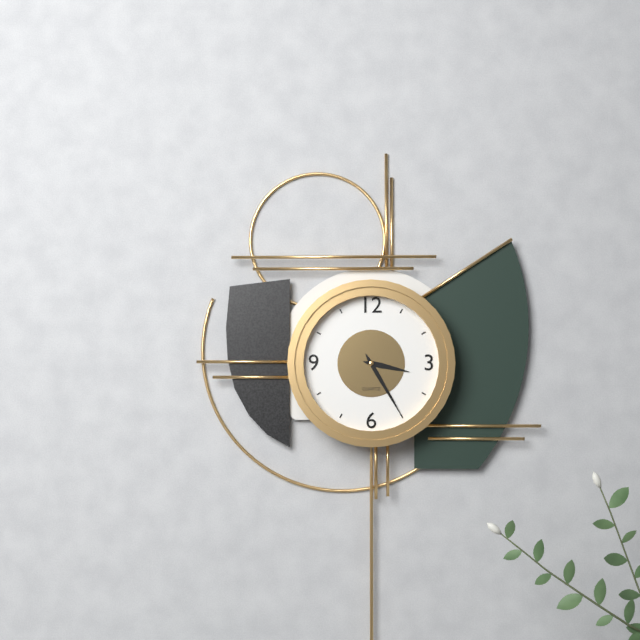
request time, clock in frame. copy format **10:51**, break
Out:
**3:25**
